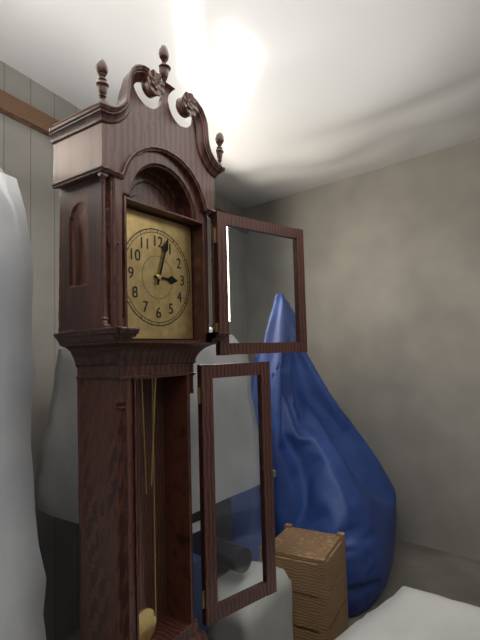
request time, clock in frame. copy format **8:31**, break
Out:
**3:03**
